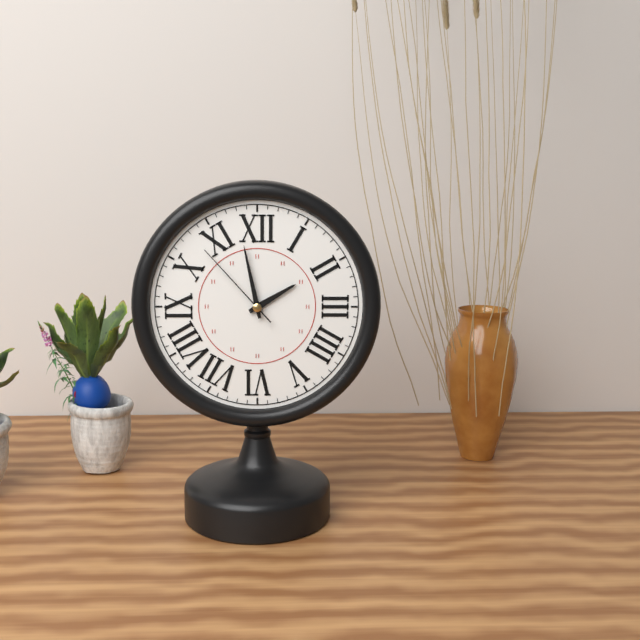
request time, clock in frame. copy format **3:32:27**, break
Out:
**1:58:53**
